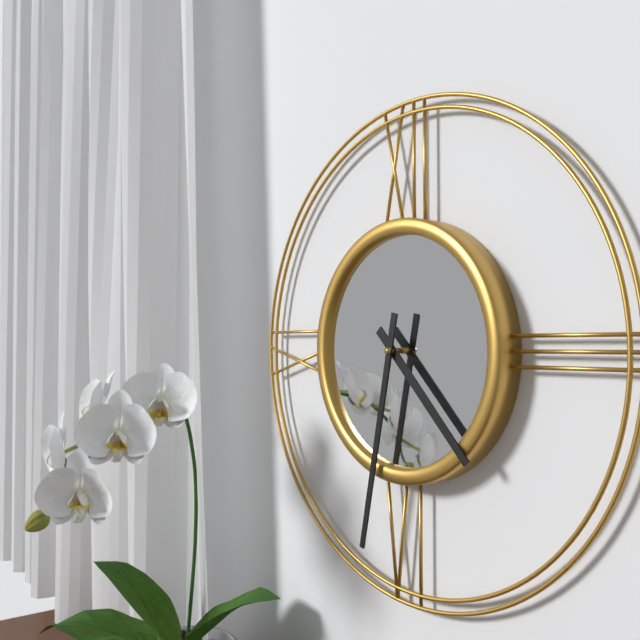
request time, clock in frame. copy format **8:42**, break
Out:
**4:32**
